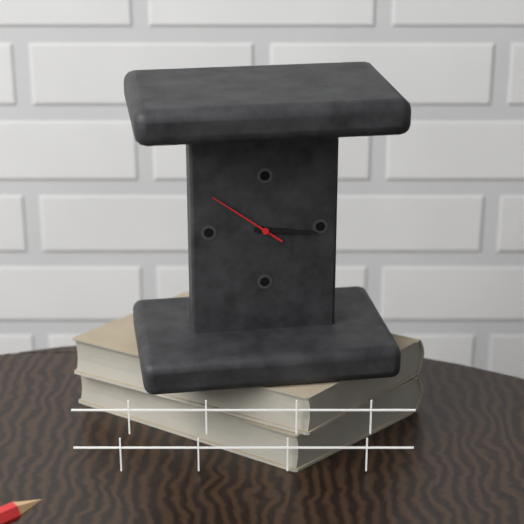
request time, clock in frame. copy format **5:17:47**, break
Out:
**3:16:51**
